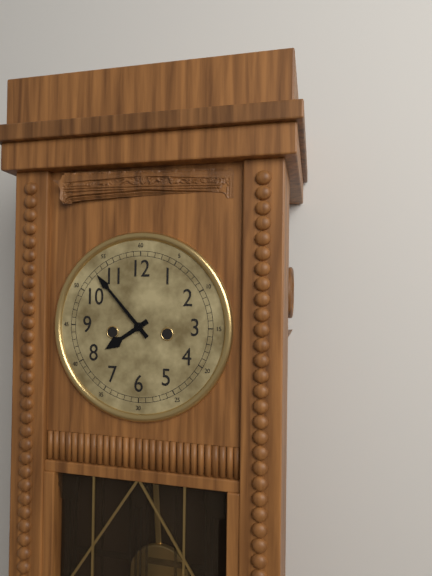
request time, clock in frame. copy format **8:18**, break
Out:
**7:53**
